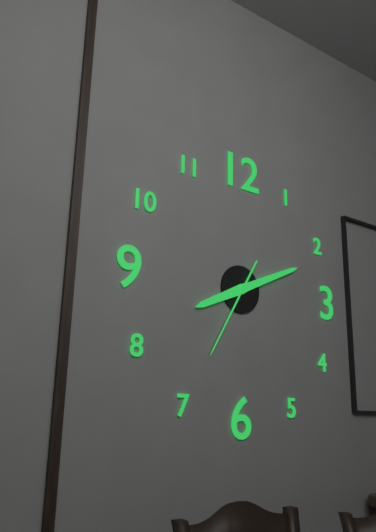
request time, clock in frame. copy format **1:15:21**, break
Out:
**8:11:35**
